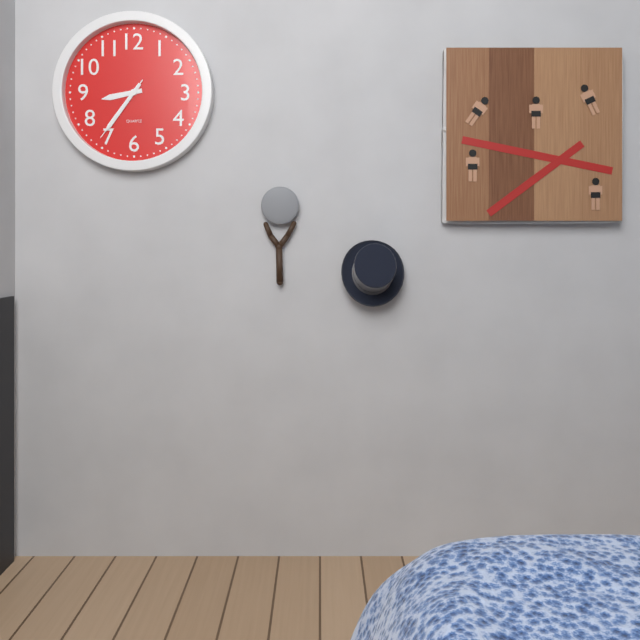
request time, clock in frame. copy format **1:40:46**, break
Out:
**8:36:36**
